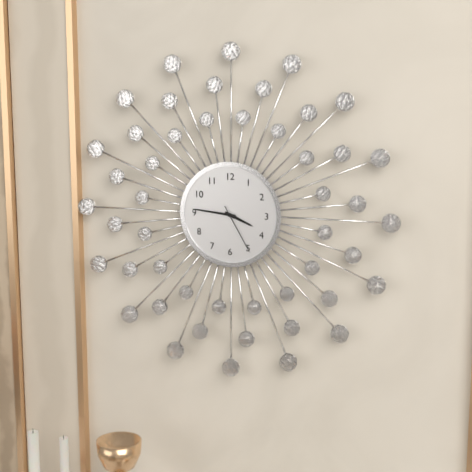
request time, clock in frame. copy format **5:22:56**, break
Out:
**3:46:25**
